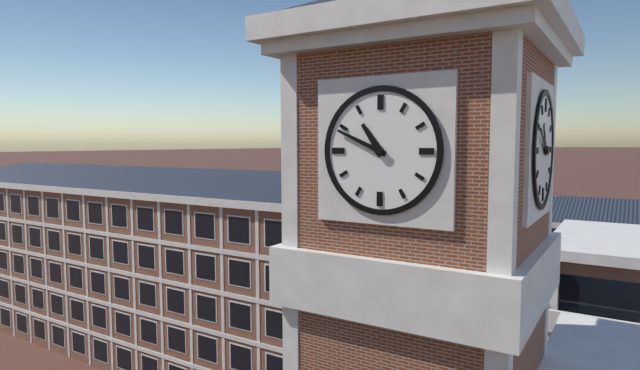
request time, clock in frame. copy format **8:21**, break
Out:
**10:49**
